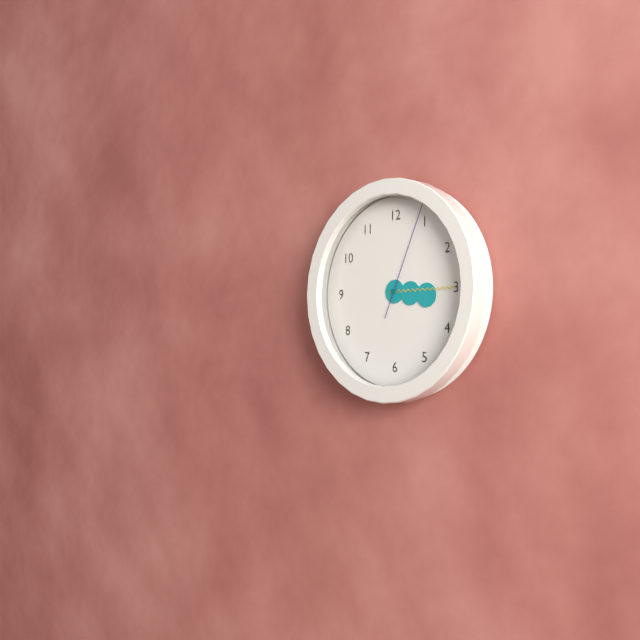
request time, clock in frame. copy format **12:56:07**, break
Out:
**3:15:04**
